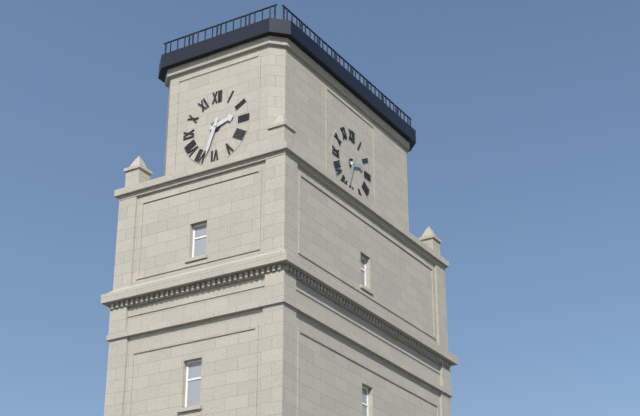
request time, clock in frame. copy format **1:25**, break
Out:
**2:33**
